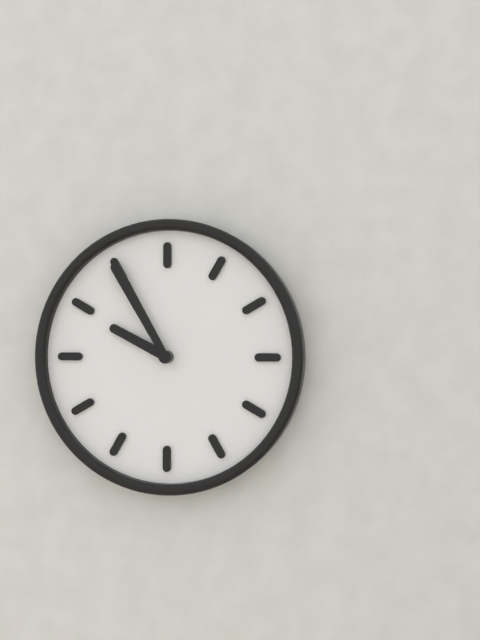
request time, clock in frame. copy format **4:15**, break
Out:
**9:55**
